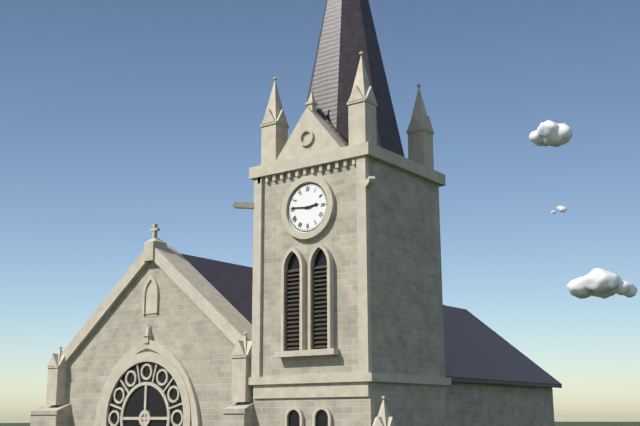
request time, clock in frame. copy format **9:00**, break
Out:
**2:46**
